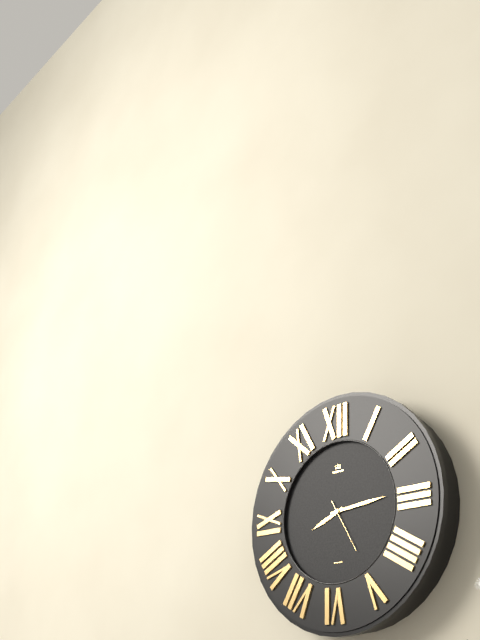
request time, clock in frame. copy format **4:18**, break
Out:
**8:14**
